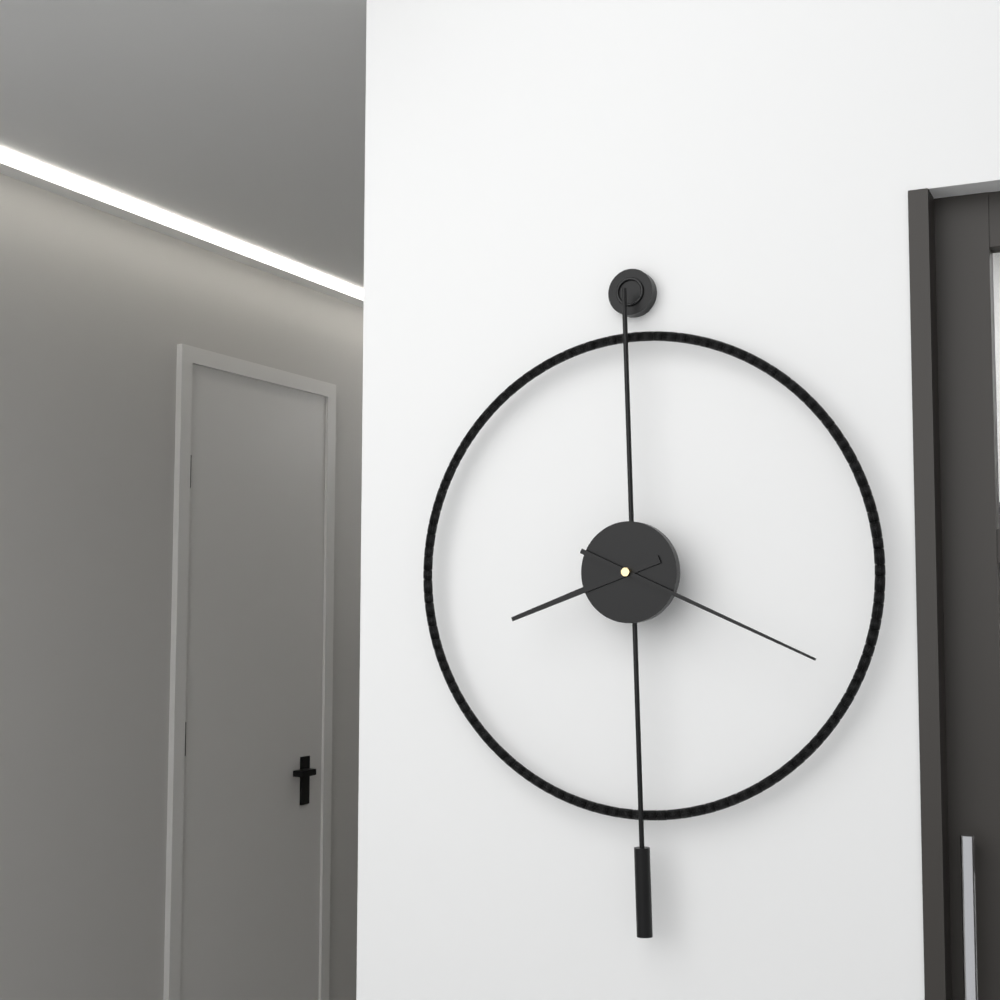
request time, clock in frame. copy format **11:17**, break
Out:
**8:19**
